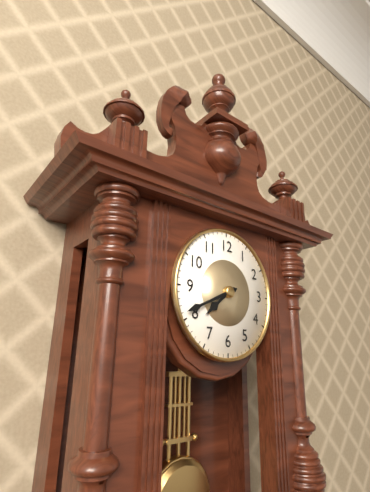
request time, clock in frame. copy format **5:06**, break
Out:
**7:41**
